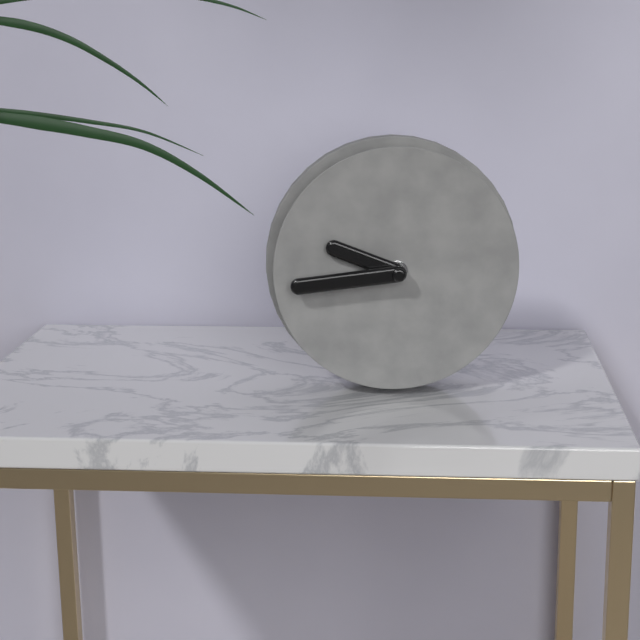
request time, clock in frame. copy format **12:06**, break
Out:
**9:44**
